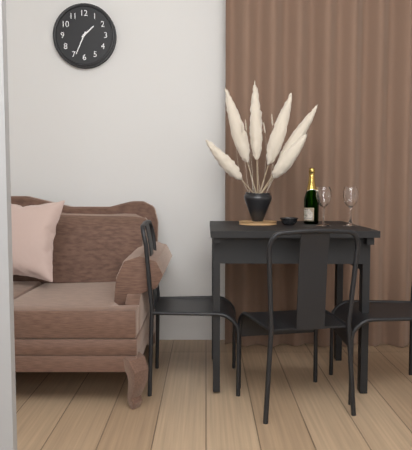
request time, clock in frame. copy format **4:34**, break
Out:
**1:34**
